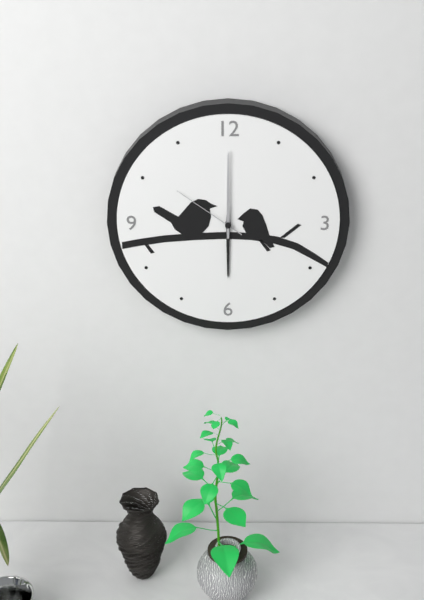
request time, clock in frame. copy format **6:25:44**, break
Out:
**6:00:51**
